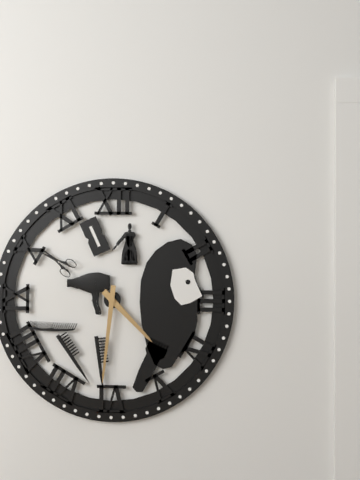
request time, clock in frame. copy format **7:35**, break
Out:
**4:31**
